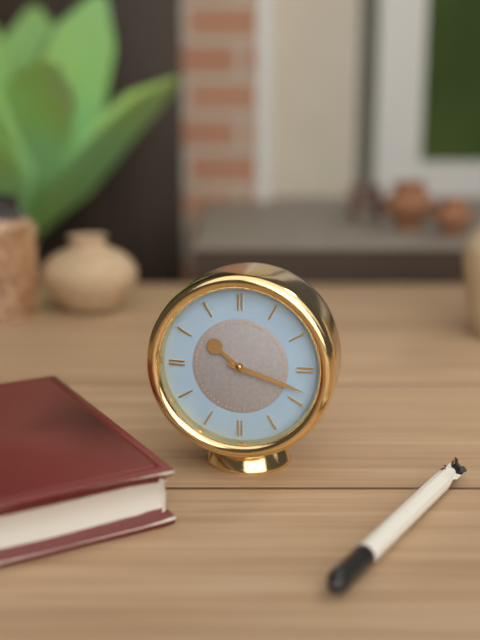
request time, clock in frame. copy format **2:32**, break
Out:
**10:18**
